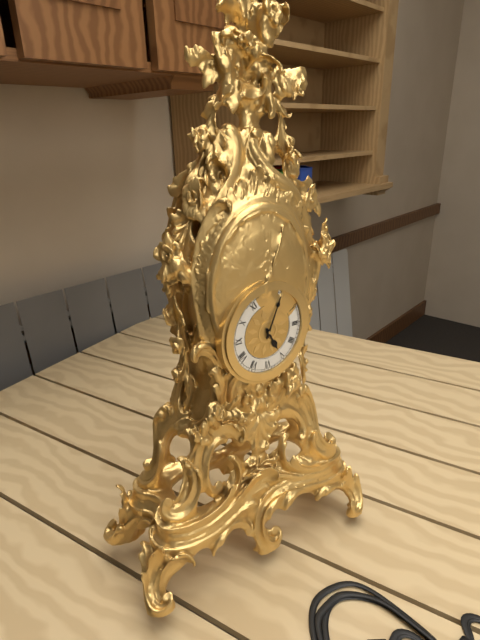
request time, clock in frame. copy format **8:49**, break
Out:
**5:04**
